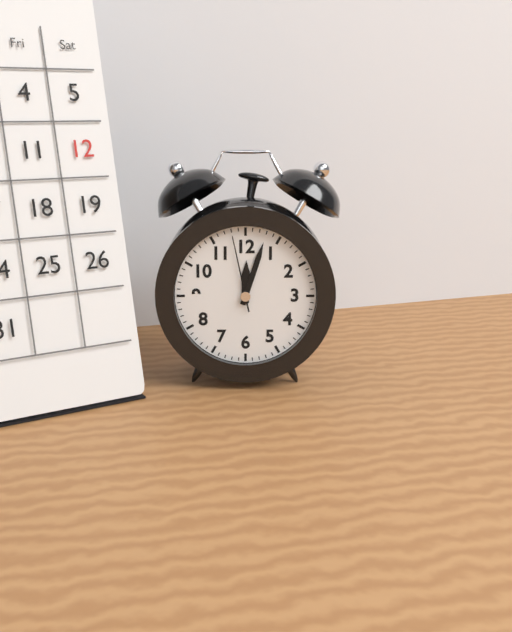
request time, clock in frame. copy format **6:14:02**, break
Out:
**12:03:58**
